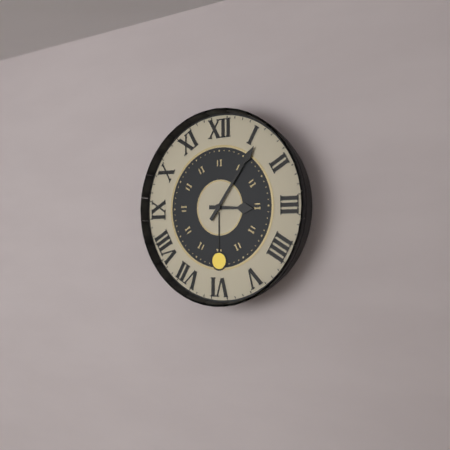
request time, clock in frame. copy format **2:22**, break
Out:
**3:06**
